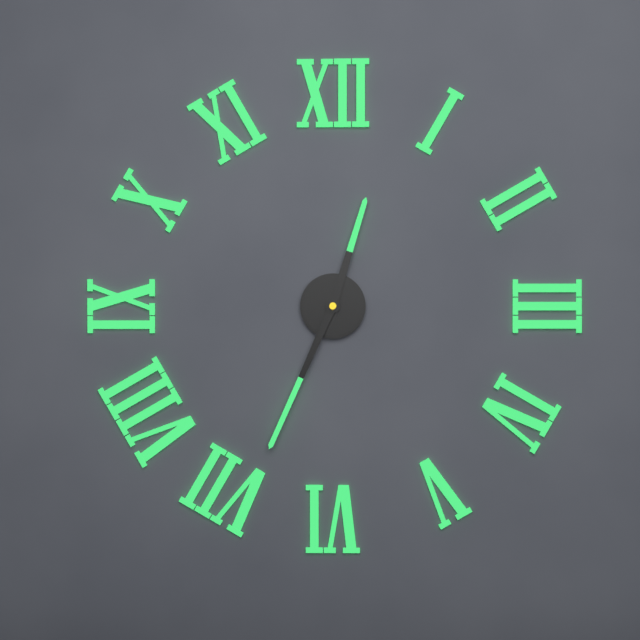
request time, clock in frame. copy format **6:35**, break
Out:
**12:34**
